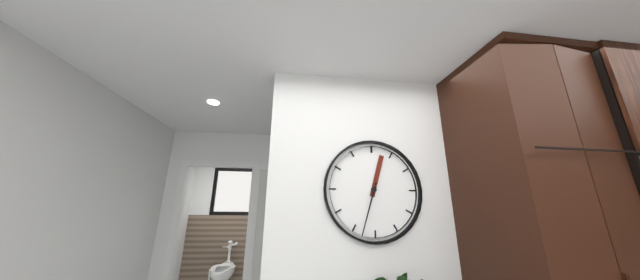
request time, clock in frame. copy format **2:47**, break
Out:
**12:33**
